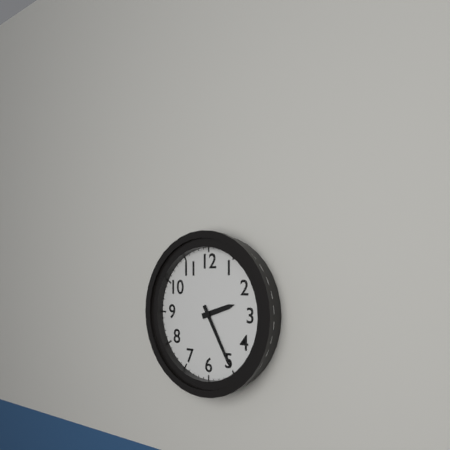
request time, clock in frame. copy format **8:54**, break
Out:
**2:25**
